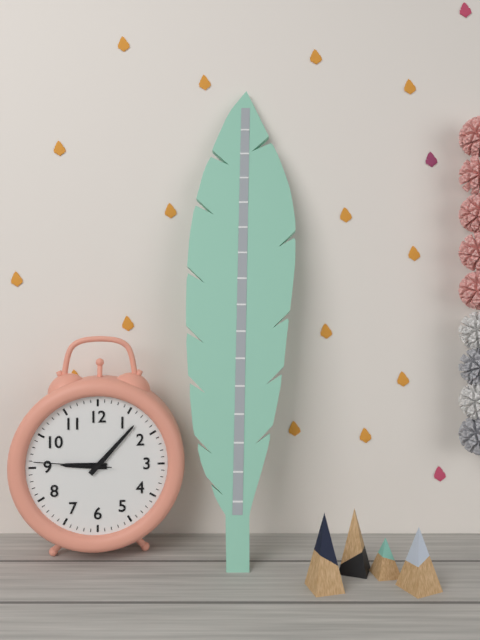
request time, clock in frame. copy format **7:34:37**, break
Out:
**9:07:46**
